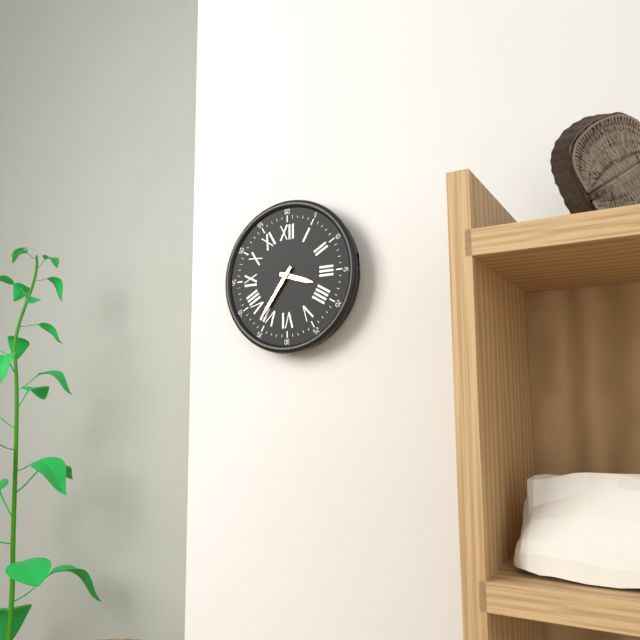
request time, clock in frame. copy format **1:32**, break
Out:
**3:36**
